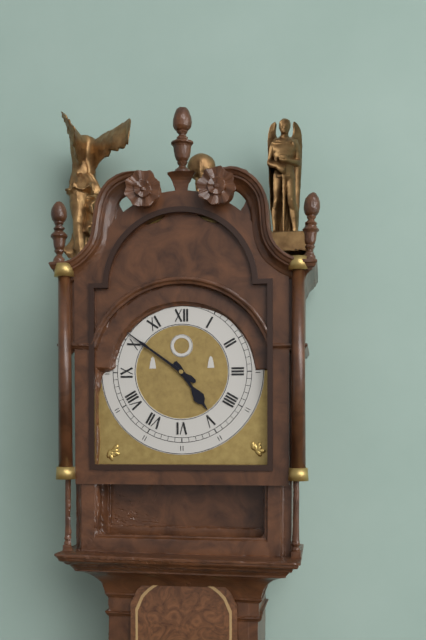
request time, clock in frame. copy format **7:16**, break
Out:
**4:51**
